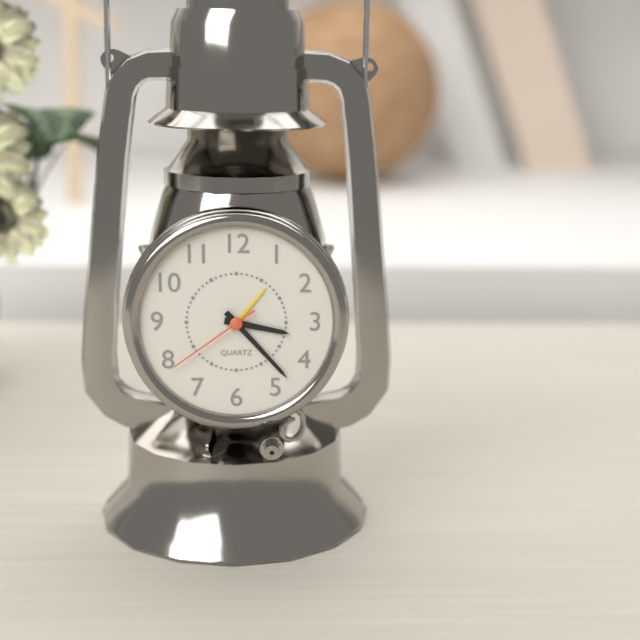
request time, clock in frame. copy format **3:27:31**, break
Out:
**3:23:39**
